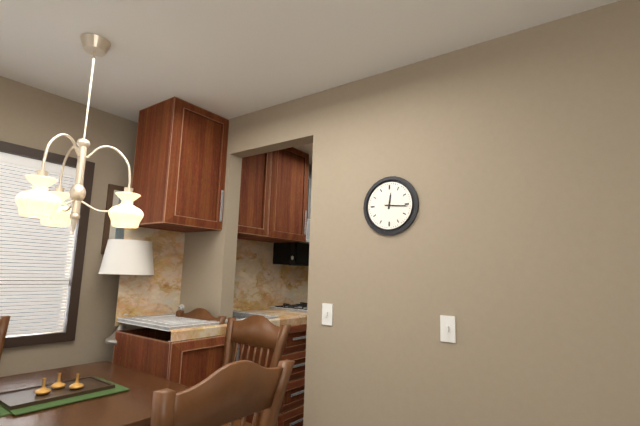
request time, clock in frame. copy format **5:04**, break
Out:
**12:16**
